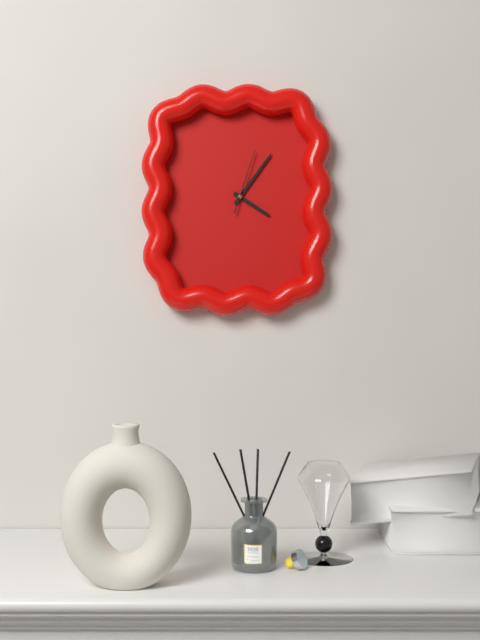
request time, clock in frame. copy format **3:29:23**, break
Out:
**4:06:03**
